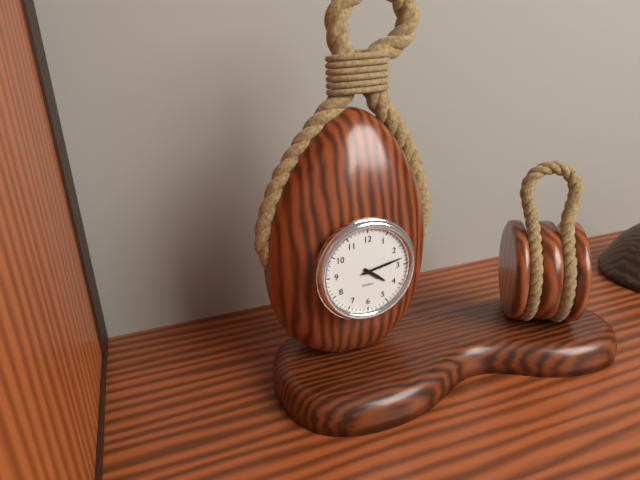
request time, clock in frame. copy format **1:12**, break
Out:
**4:13**
